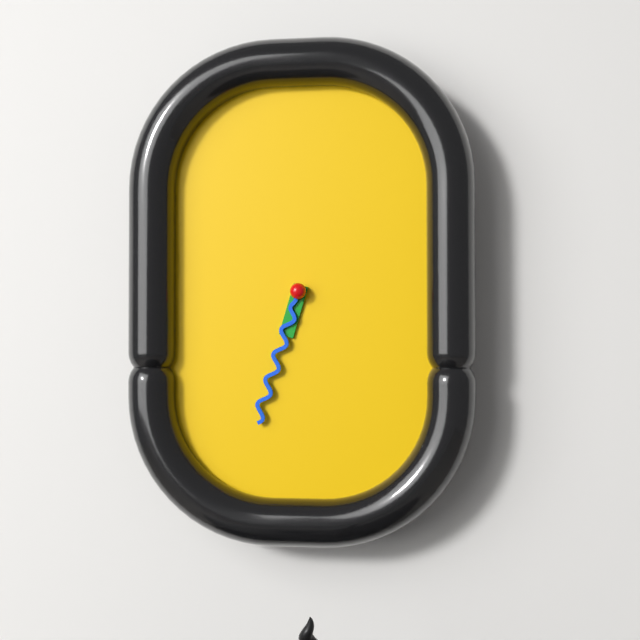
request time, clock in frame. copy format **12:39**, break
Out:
**6:33**
